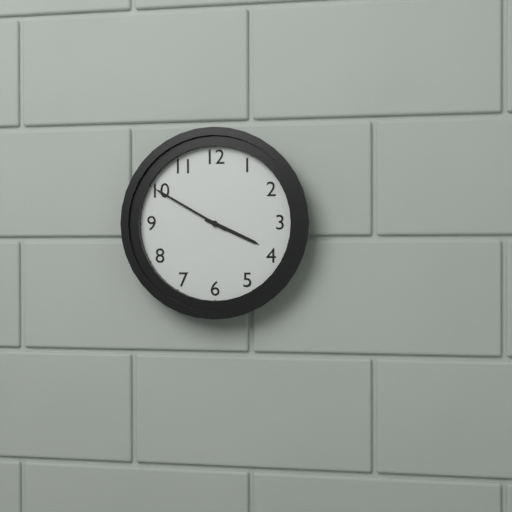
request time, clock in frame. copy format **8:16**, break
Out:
**3:50**
